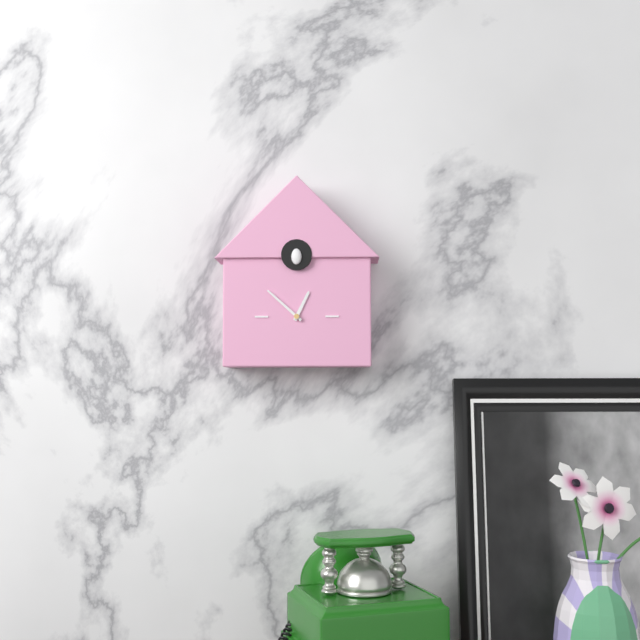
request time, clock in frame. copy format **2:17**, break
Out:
**12:52**
